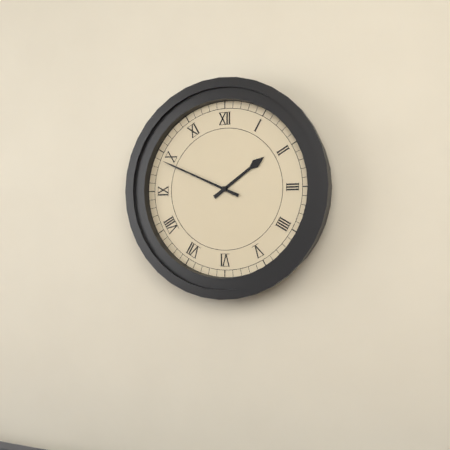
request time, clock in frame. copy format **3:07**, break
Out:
**1:49**
